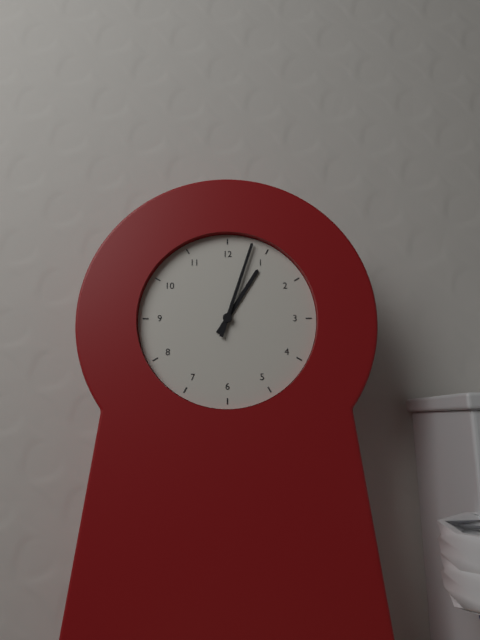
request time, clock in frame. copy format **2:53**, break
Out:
**1:03**
